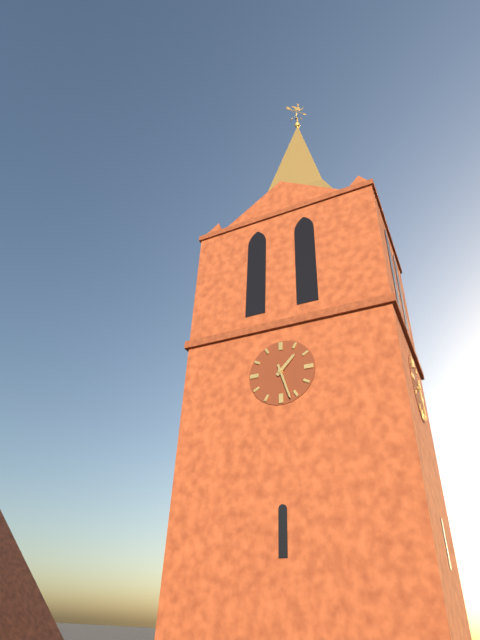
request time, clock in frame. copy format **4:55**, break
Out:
**1:27**
